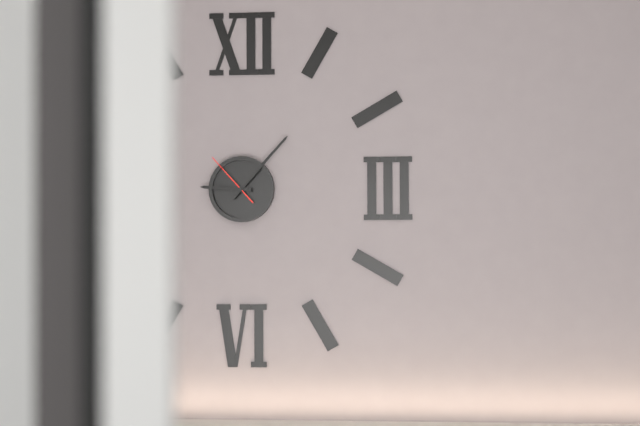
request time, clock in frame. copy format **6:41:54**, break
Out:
**9:07:53**
